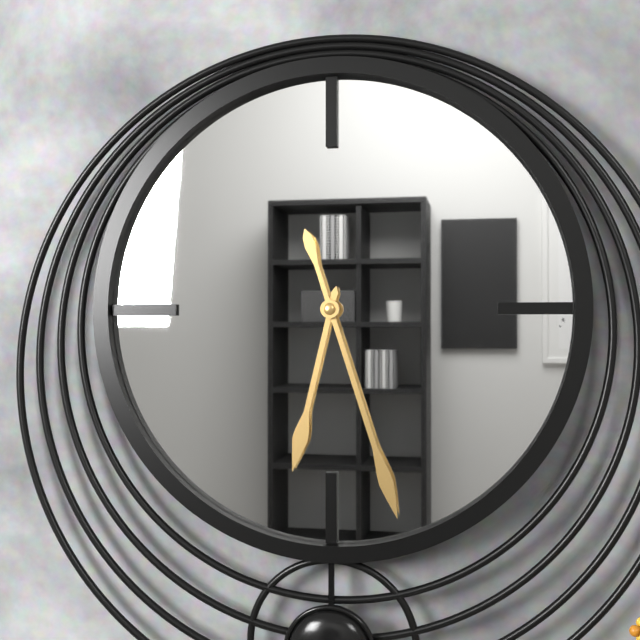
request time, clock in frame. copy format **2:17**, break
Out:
**6:27**
